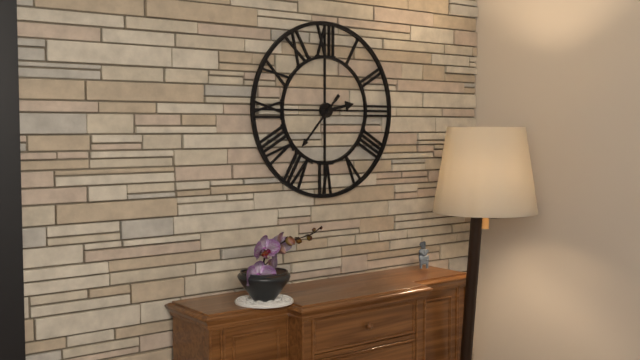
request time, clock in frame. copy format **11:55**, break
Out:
**2:37**
